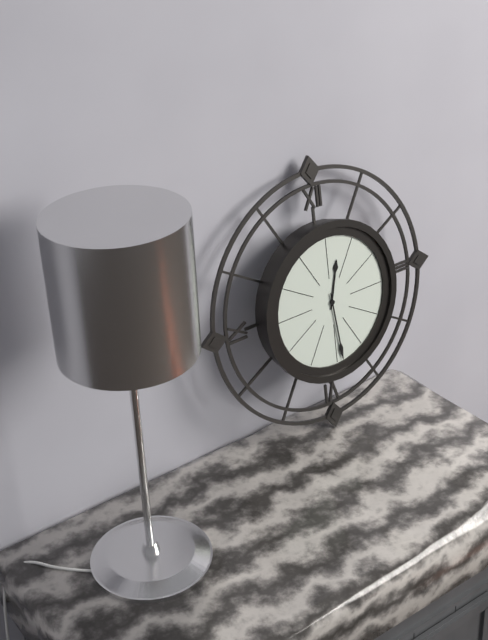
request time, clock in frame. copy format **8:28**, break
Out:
**12:29**
